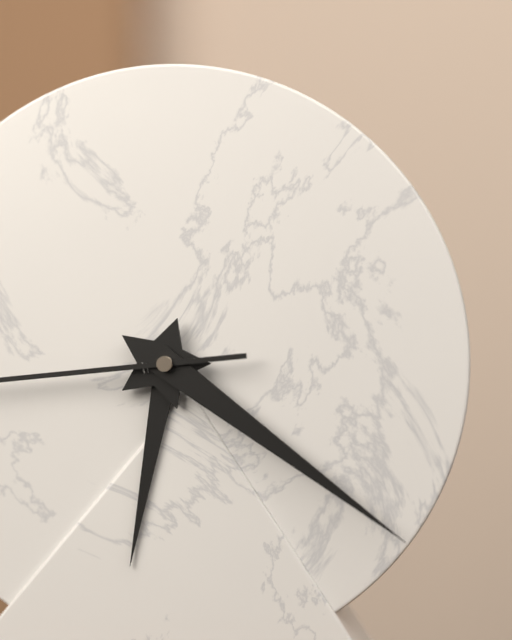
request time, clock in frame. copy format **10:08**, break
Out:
**6:21**
